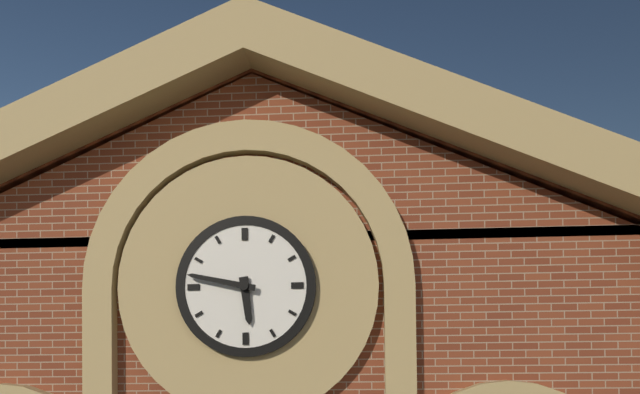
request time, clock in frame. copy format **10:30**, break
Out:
**5:47**
